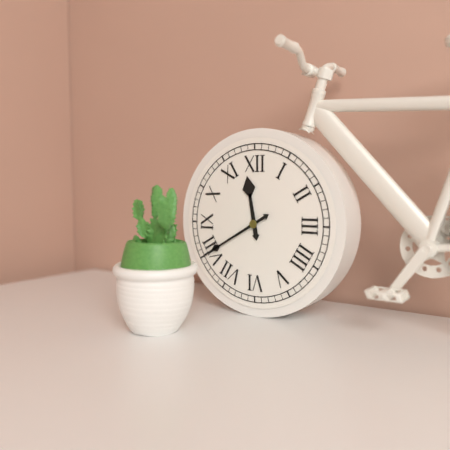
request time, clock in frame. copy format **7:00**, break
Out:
**11:40**
